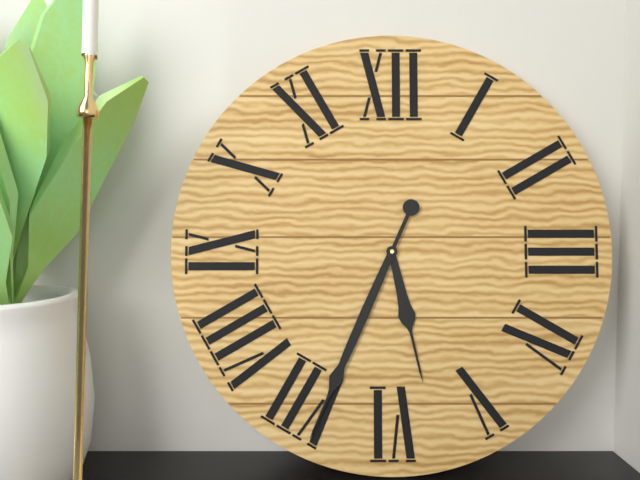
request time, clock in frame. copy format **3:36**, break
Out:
**5:34**
